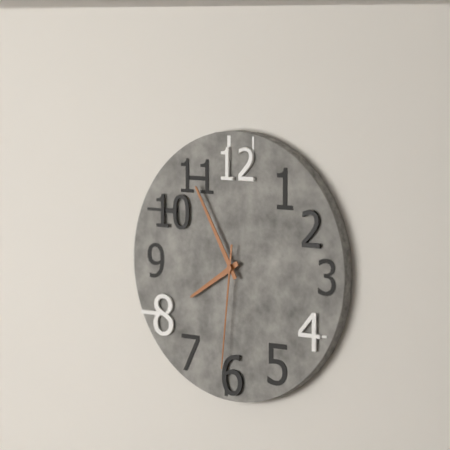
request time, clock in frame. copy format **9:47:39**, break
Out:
**7:55:31**
